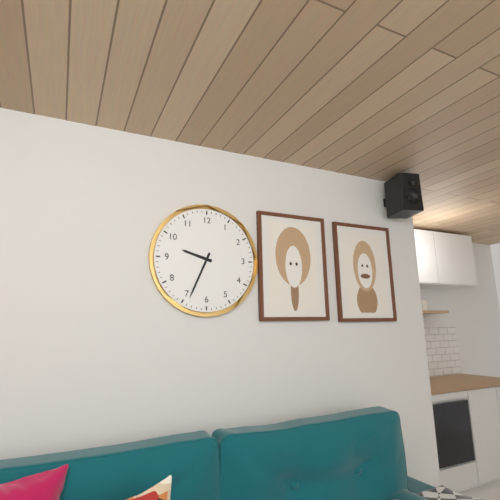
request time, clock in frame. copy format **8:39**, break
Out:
**9:34**
